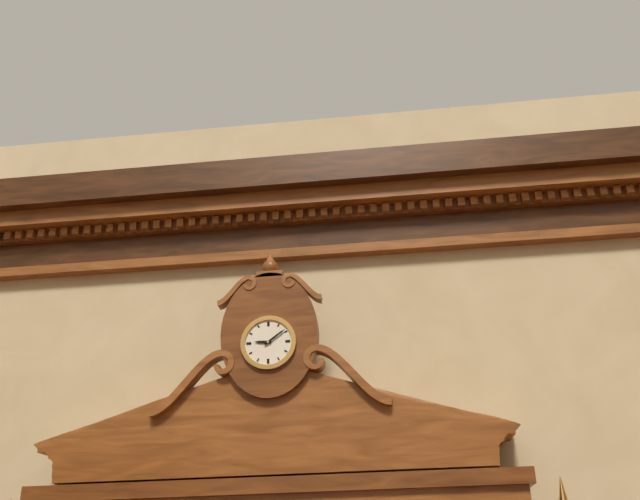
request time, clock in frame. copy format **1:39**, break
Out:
**9:09**
